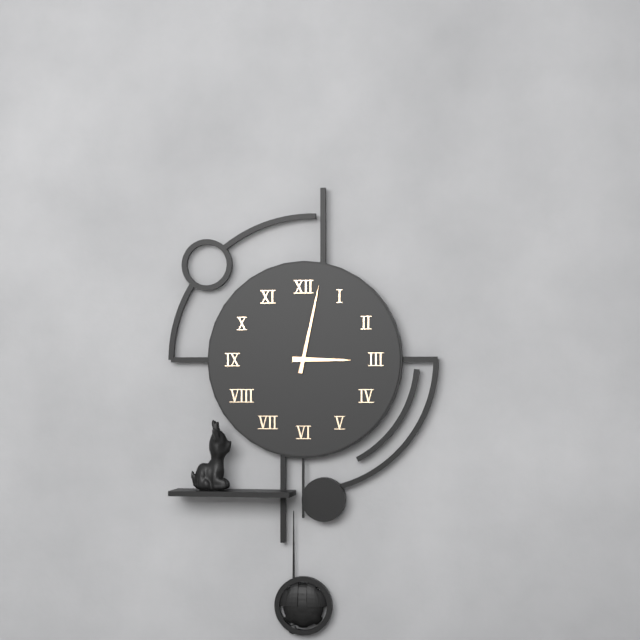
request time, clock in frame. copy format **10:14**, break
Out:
**3:02**
